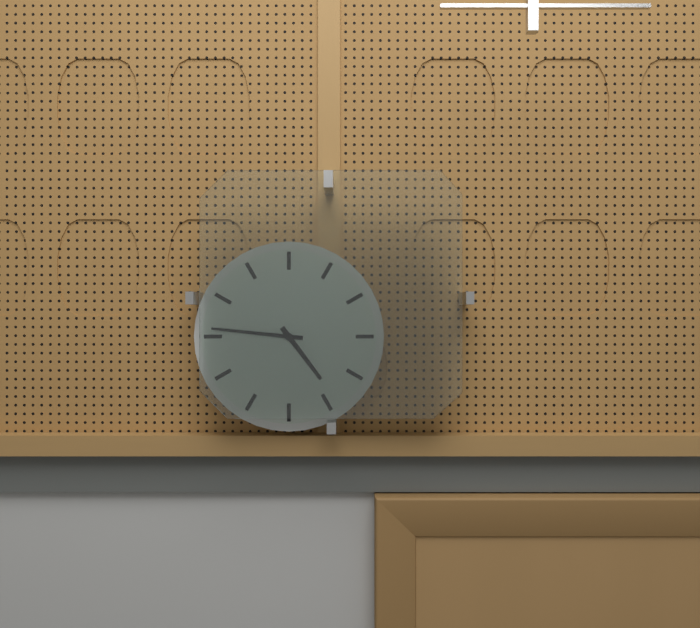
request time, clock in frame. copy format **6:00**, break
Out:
**4:46**
